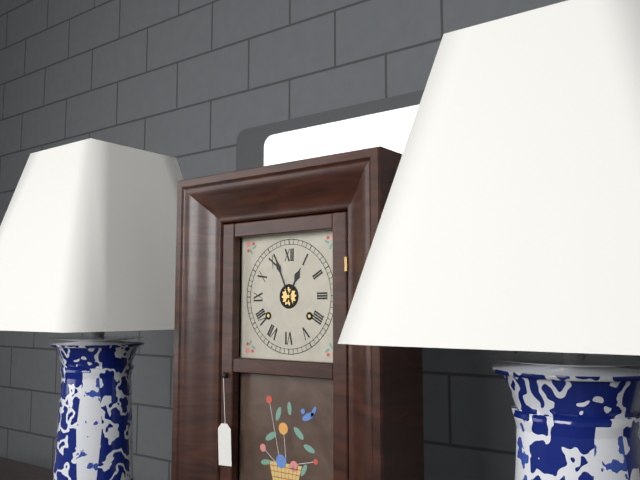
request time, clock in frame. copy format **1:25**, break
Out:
**12:56**
